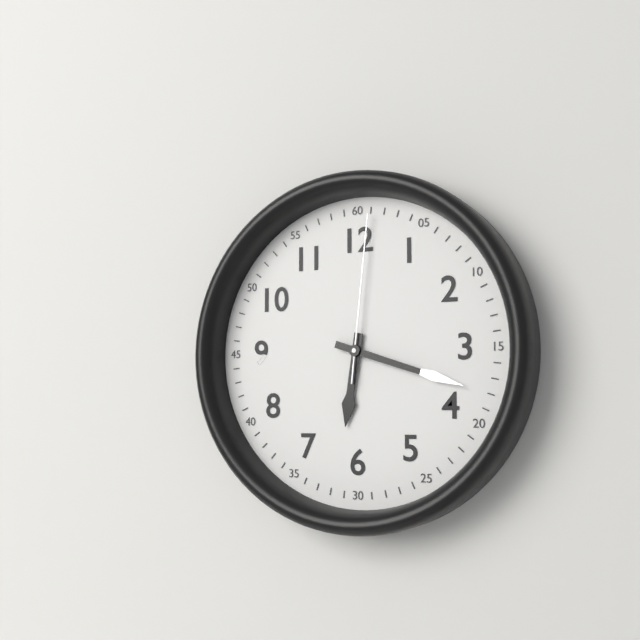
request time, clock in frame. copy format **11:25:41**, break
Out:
**6:18:01**
